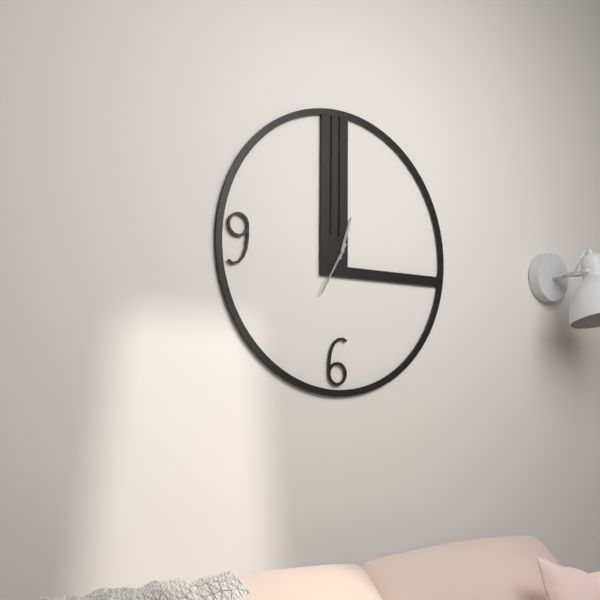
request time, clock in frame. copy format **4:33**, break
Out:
**12:35**
